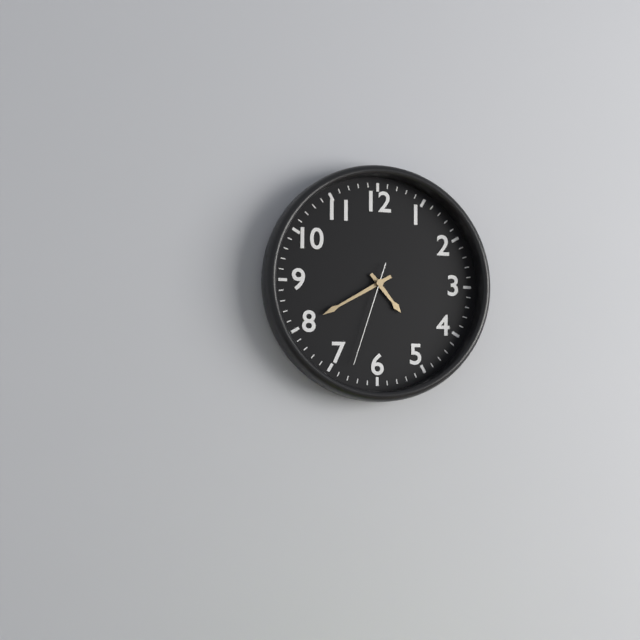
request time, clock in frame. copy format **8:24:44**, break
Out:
**4:40:33**
